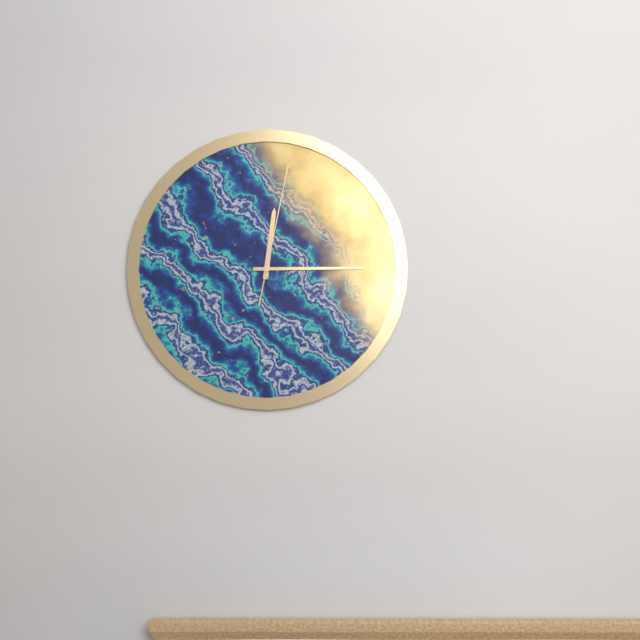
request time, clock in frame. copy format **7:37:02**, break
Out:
**12:15:02**
